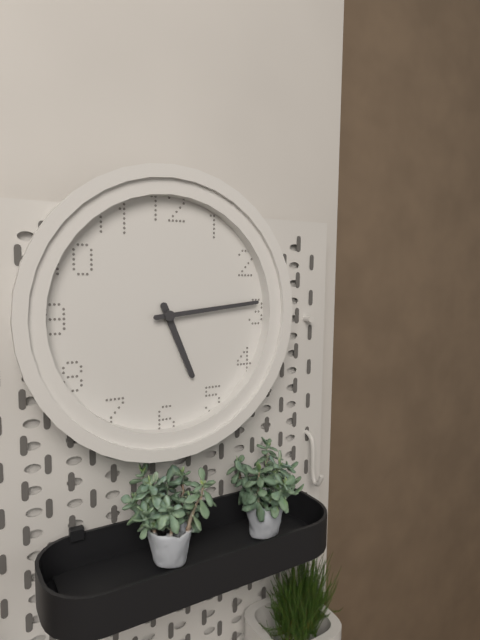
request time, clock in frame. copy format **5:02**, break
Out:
**5:14**
